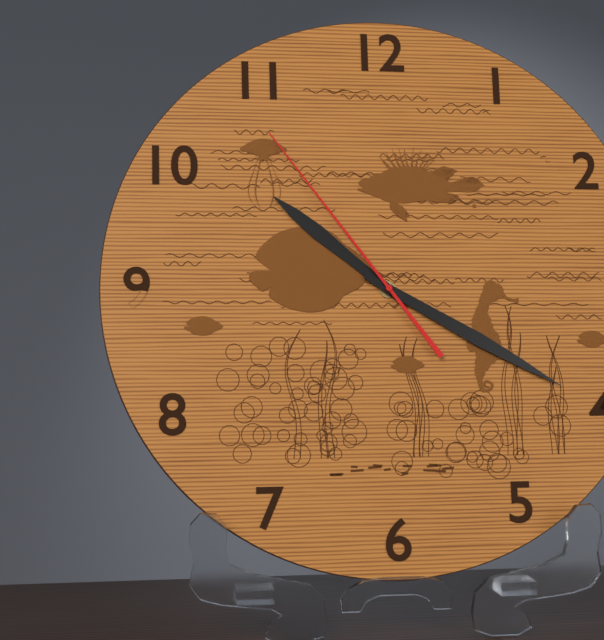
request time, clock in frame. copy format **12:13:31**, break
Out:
**10:20:54**
